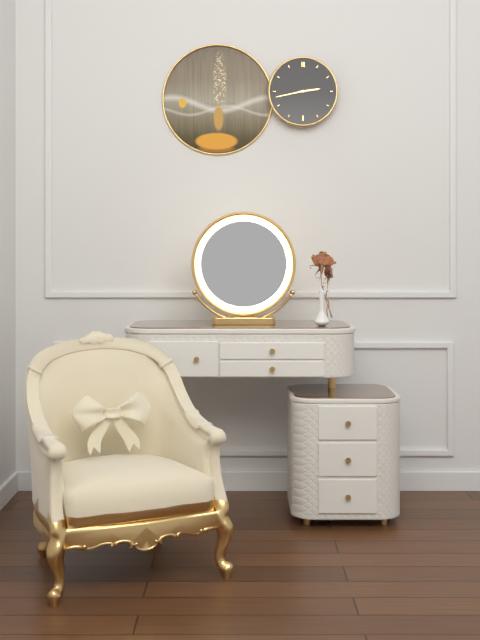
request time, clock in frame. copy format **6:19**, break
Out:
**2:43**
